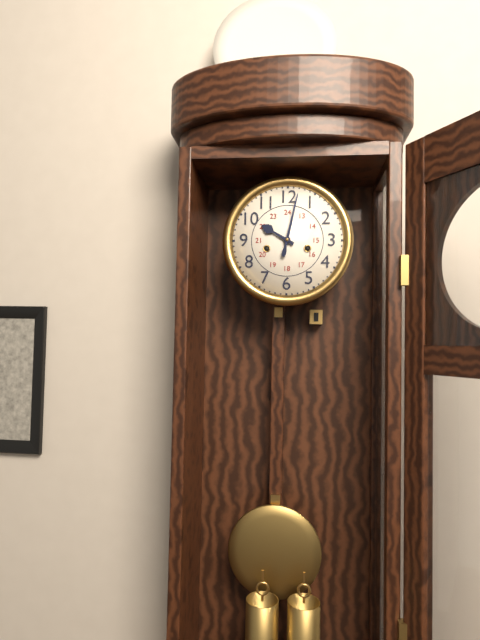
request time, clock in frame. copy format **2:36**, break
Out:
**10:02**
